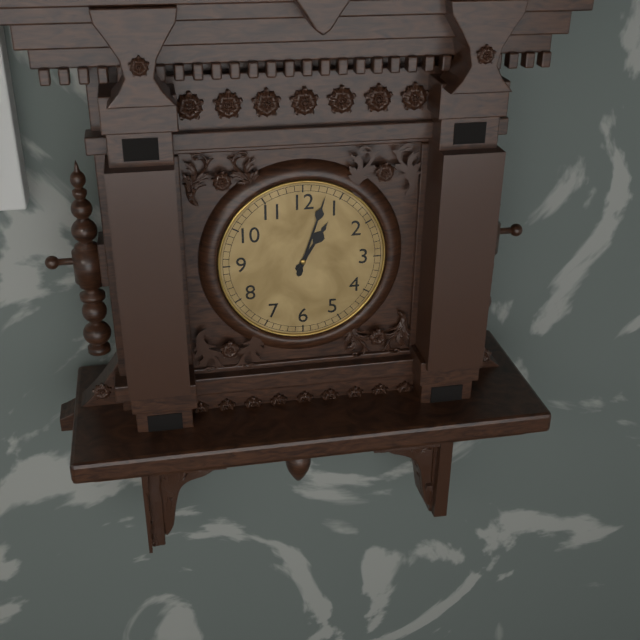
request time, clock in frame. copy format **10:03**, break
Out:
**1:03**
